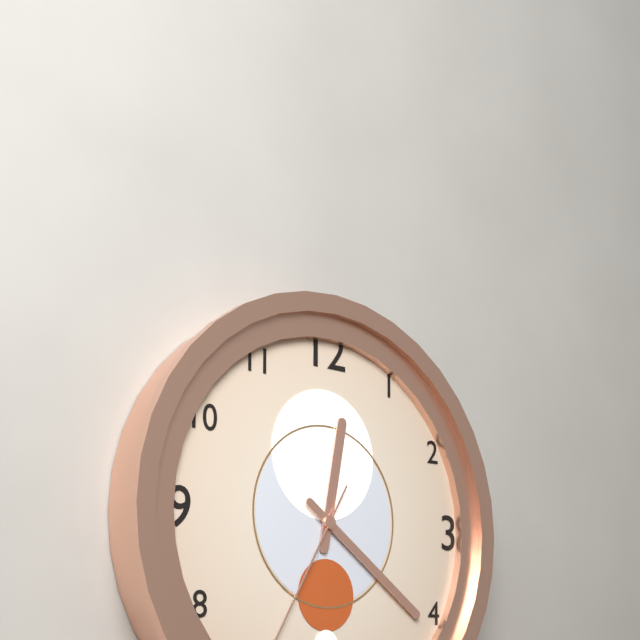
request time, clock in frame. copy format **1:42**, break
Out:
**12:21**
